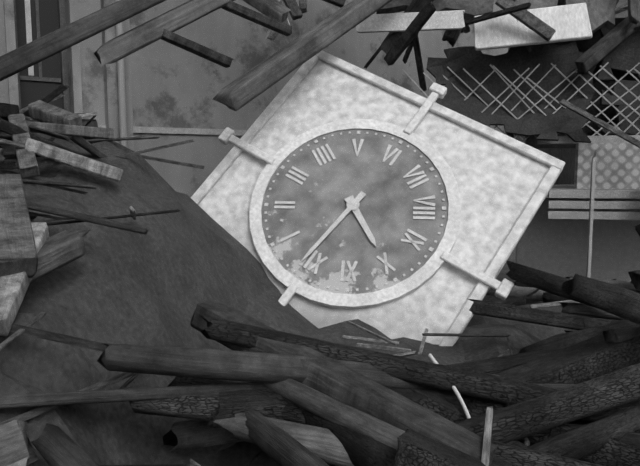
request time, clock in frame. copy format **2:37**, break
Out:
**10:01**
